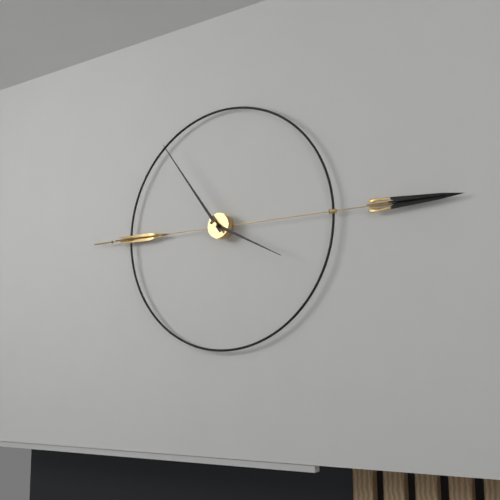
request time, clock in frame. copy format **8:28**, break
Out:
**3:54**
